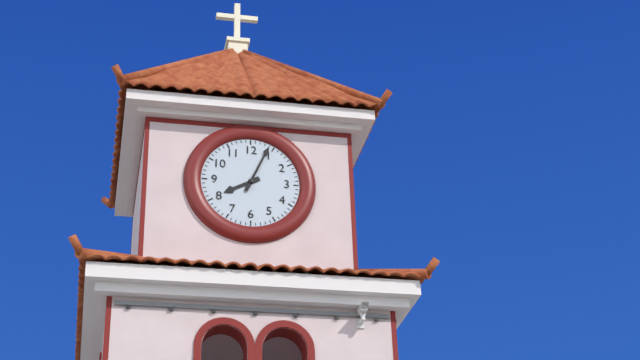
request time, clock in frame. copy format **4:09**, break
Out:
**8:04**
